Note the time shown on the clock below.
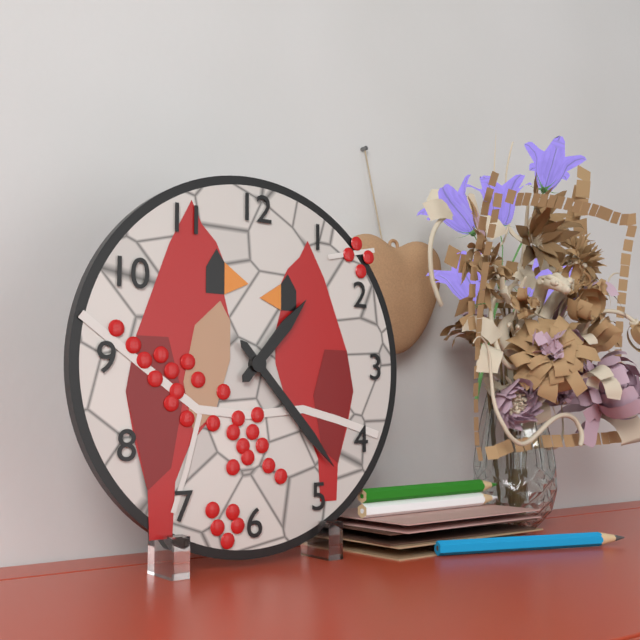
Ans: 1:23
